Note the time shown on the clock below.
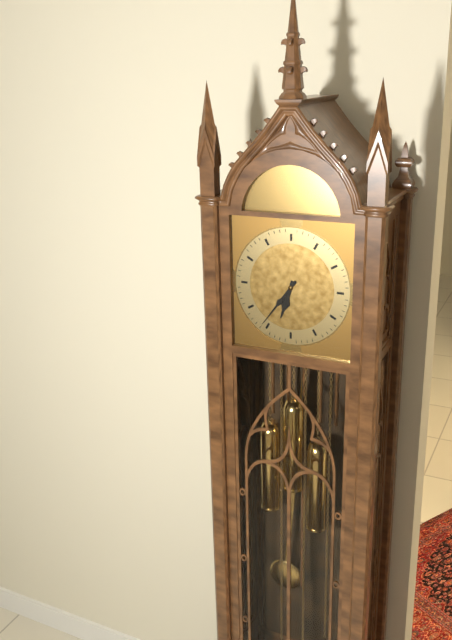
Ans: 6:36
